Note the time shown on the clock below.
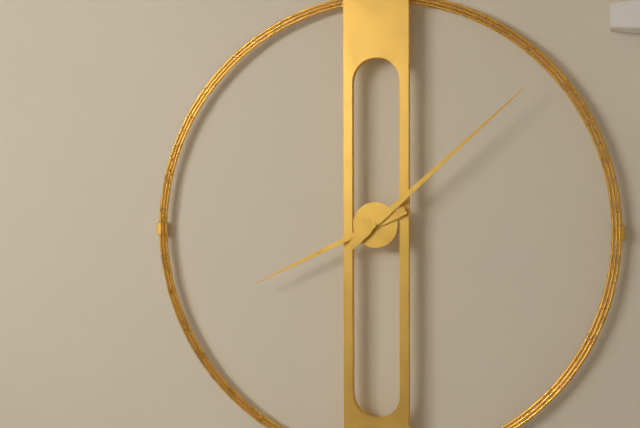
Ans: 8:08
